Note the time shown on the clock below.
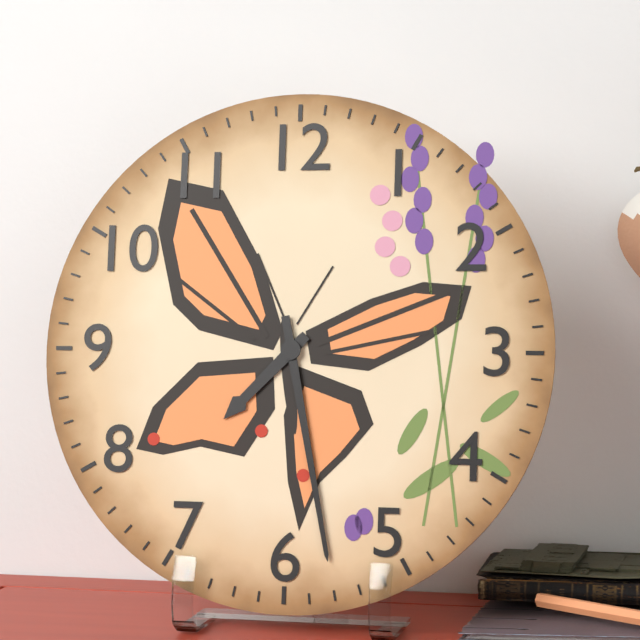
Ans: 7:28
